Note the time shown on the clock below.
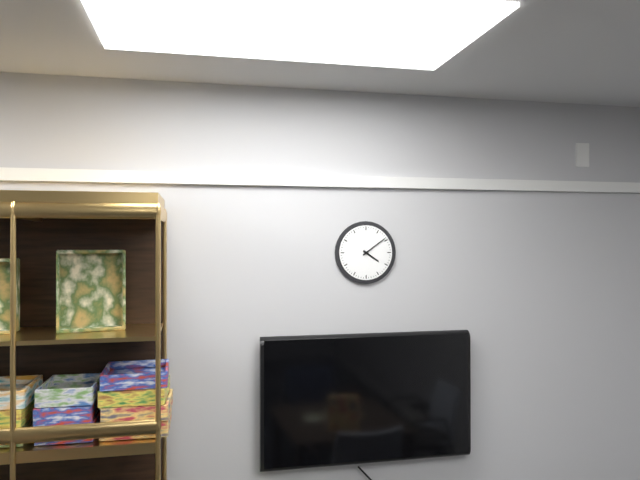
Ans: 4:09
